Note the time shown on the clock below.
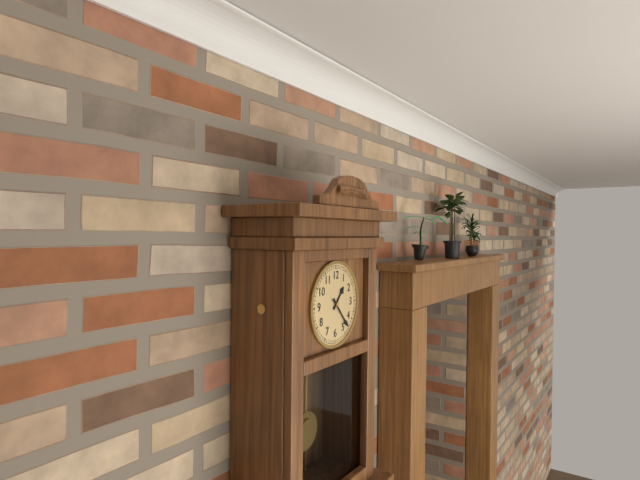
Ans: 1:23
